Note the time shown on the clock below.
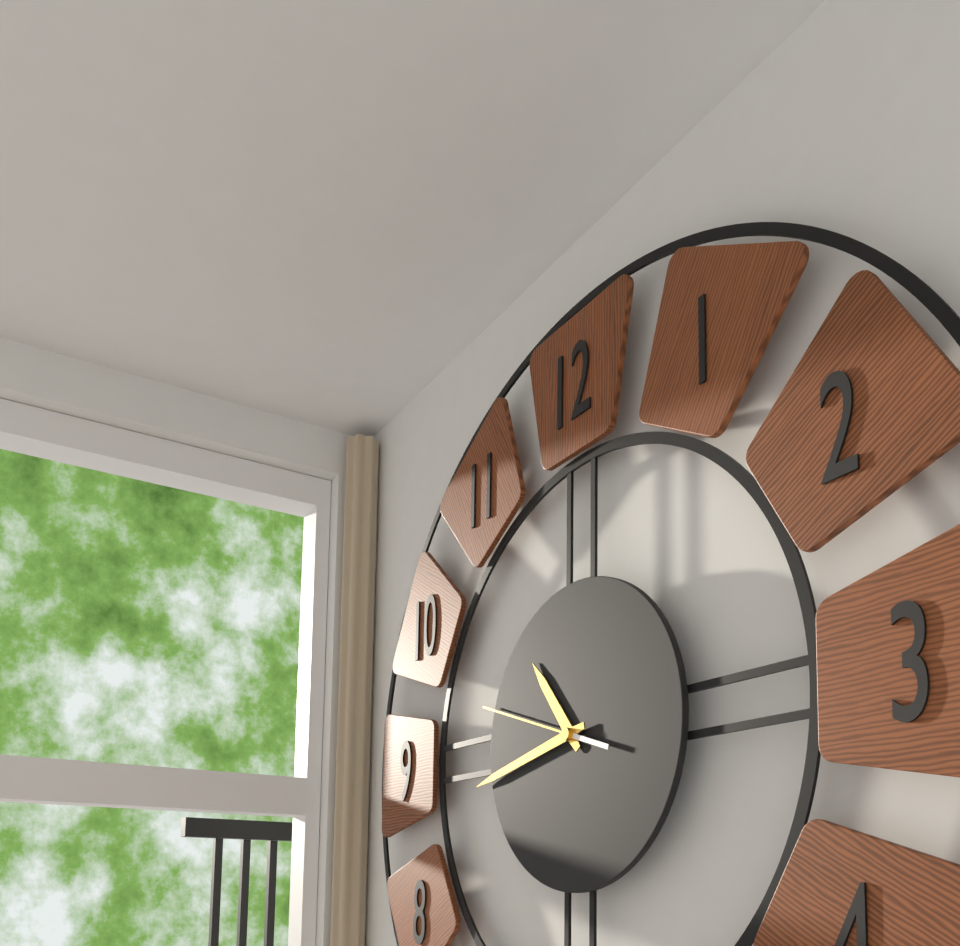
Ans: 10:43:48
